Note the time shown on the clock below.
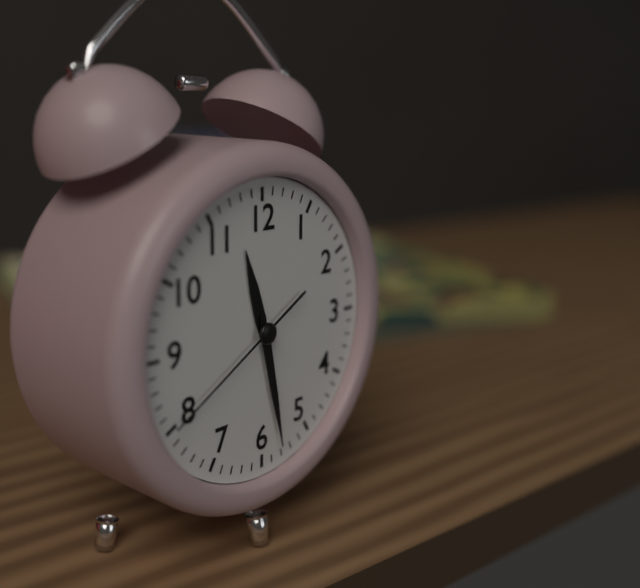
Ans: 11:28:40
